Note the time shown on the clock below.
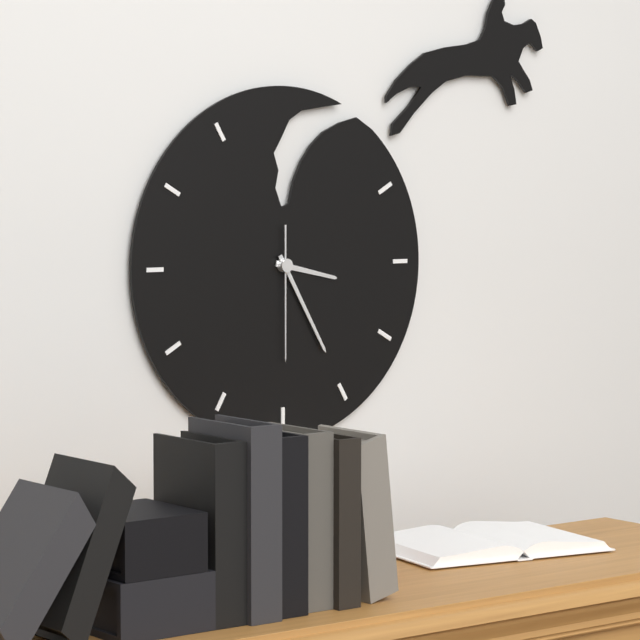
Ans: 3:25:30
